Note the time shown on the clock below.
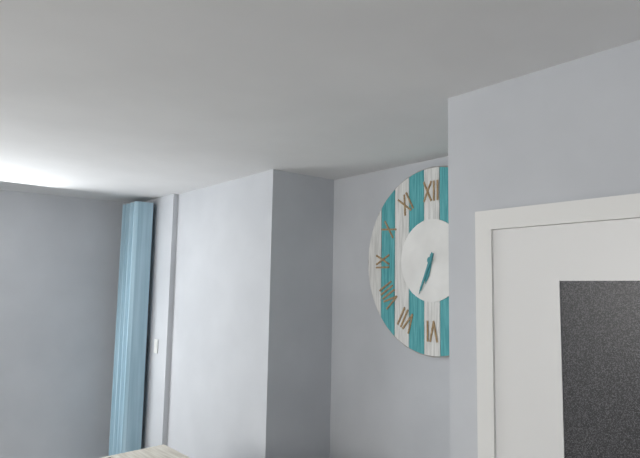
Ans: 6:34
